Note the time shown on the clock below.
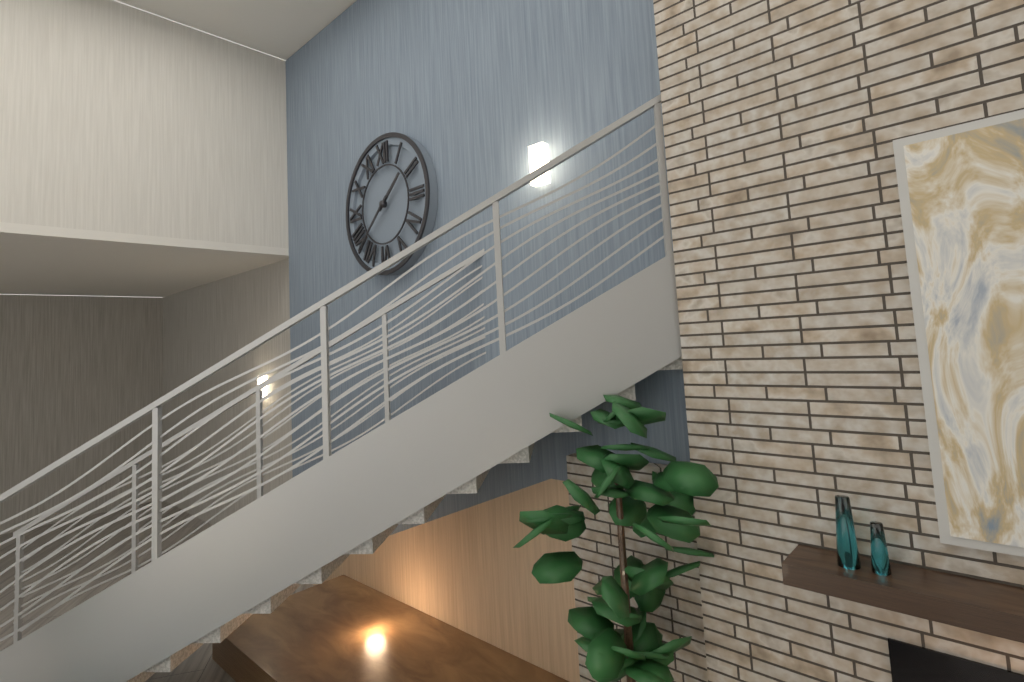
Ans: 1:38
